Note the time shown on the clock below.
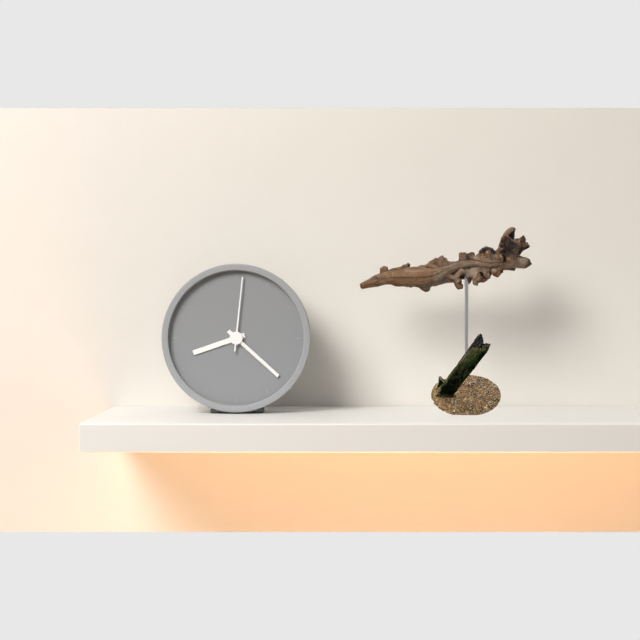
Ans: 8:22:01
